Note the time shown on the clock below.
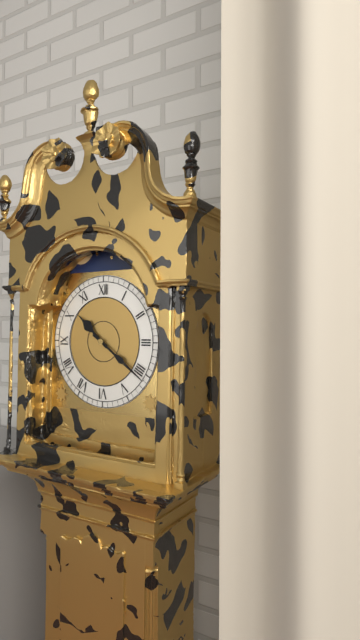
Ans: 10:21
